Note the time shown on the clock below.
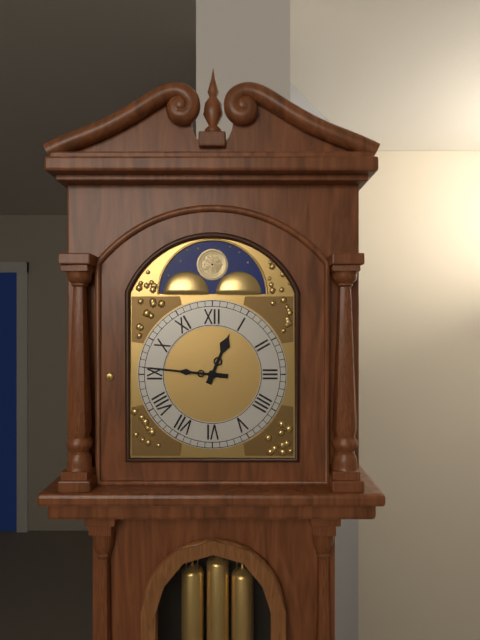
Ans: 12:46
